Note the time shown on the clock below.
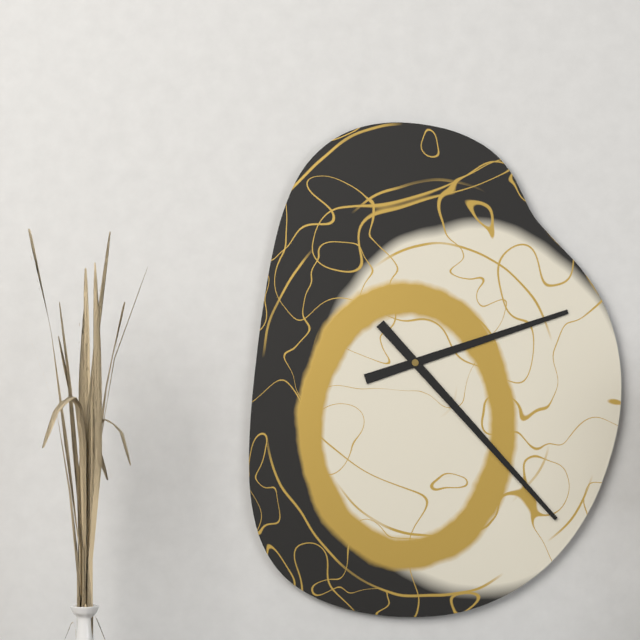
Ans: 2:23
